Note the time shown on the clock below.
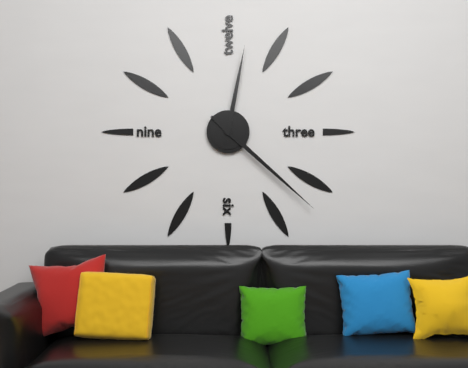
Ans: 12:22
